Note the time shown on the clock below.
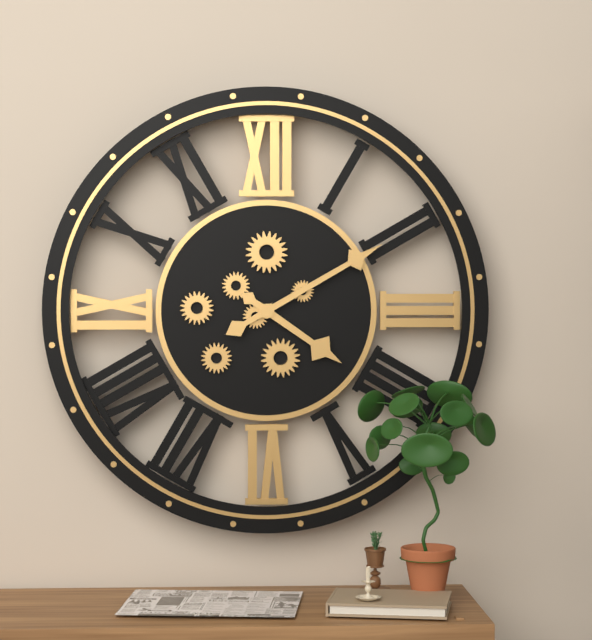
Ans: 4:10
